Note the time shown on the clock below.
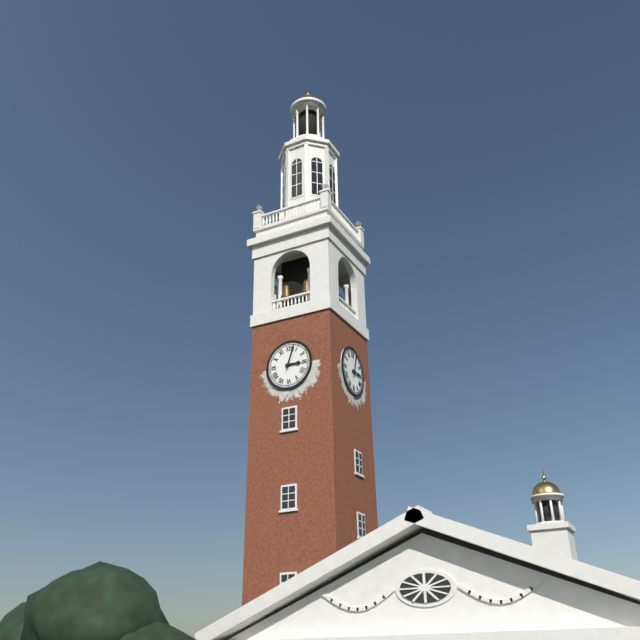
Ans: 3:03
